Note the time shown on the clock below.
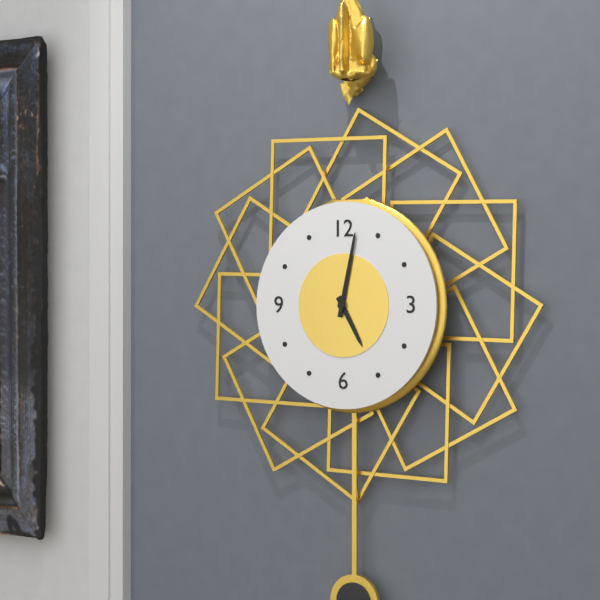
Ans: 5:02
